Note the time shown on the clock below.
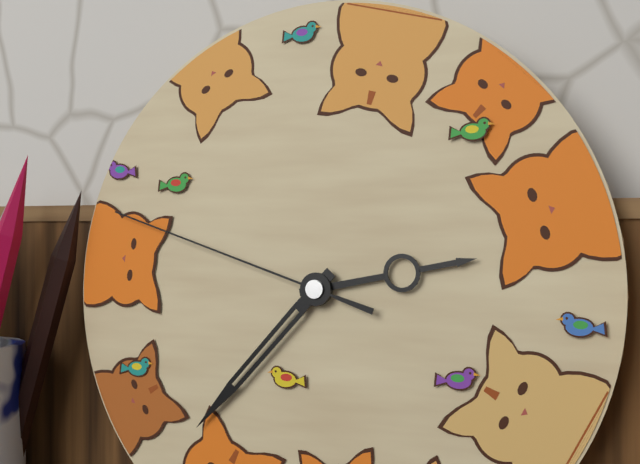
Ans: 2:37:48
